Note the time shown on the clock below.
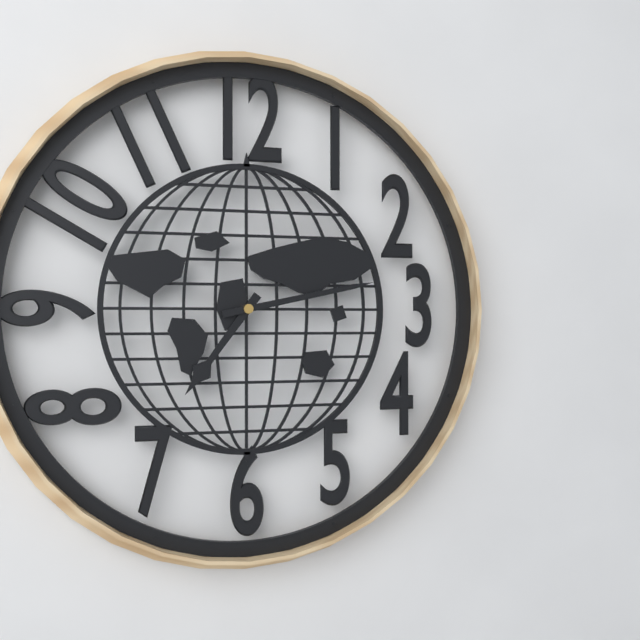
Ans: 7:13
